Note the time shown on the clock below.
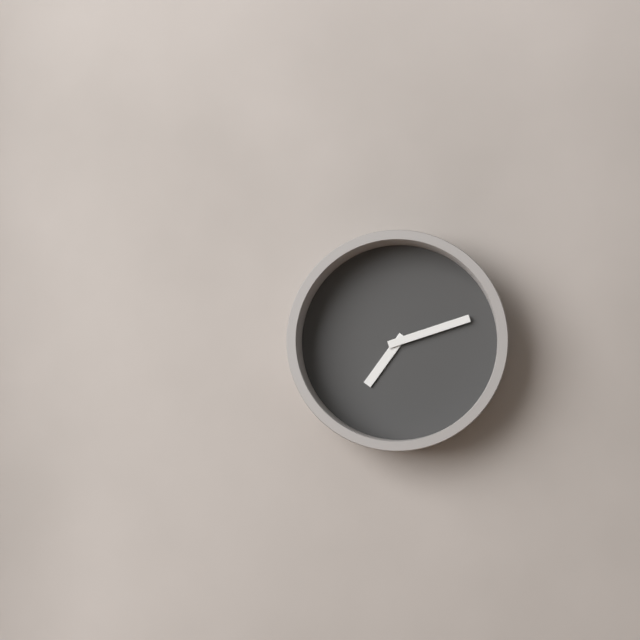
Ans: 7:12
